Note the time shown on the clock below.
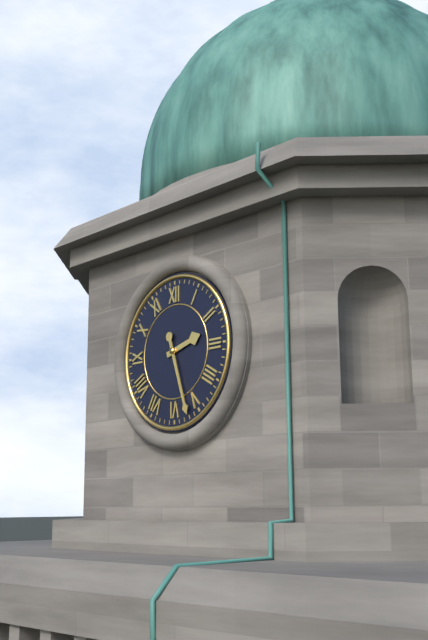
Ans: 2:27
